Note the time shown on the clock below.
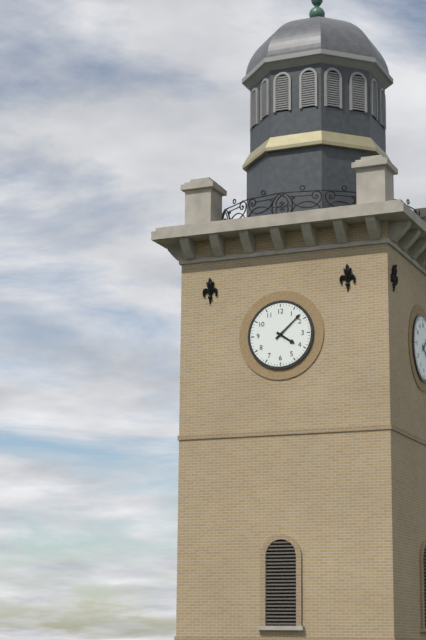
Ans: 4:08
